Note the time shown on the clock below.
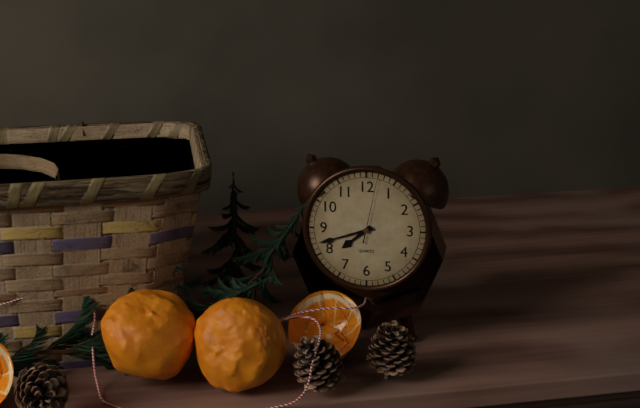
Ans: 7:42:02
